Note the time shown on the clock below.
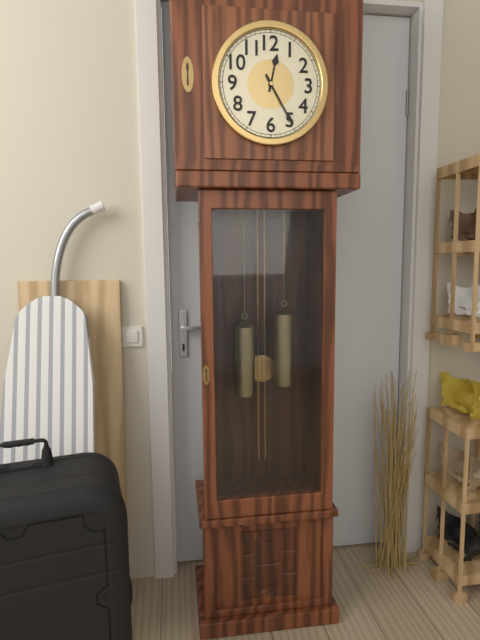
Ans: 12:25
